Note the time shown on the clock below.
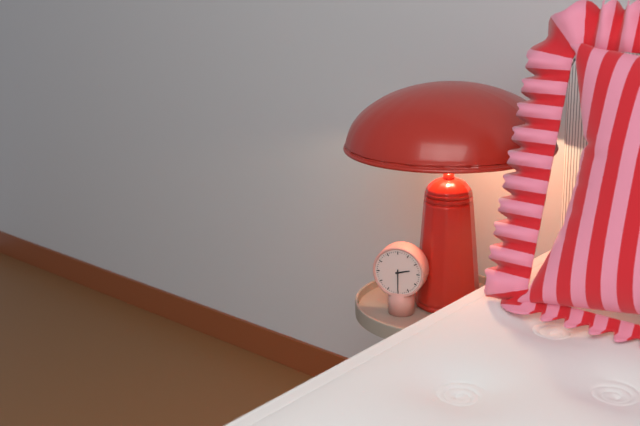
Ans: 2:30
